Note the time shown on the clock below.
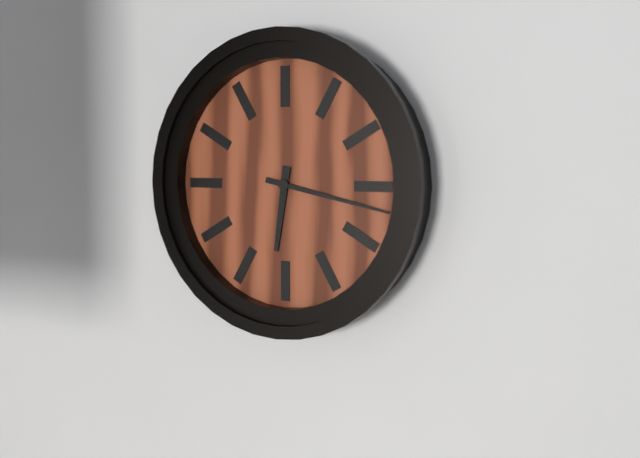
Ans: 6:17
